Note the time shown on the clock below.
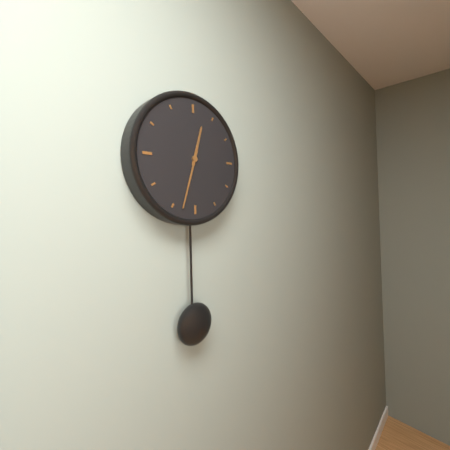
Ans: 12:33
